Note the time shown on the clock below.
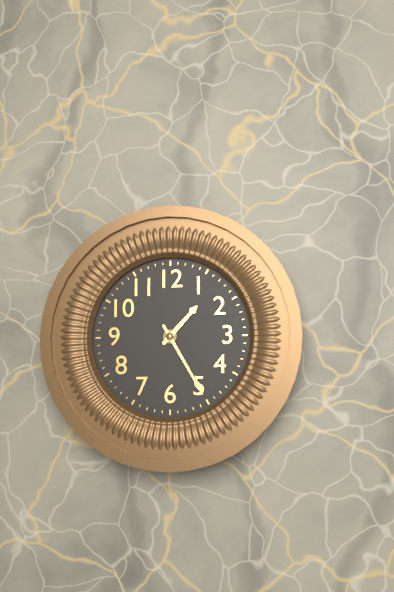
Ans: 1:25
